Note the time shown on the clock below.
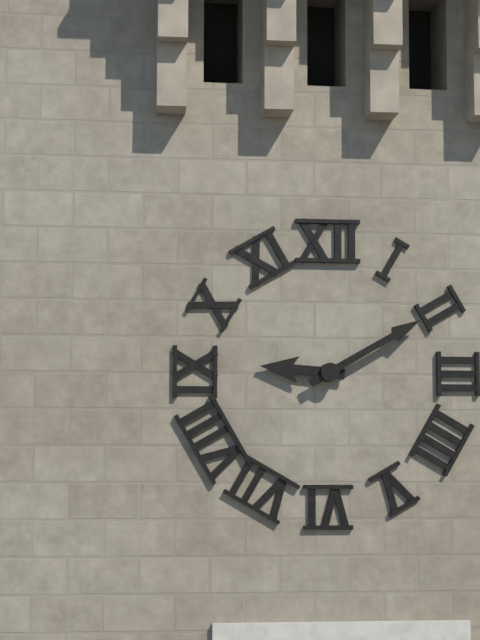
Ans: 9:10
